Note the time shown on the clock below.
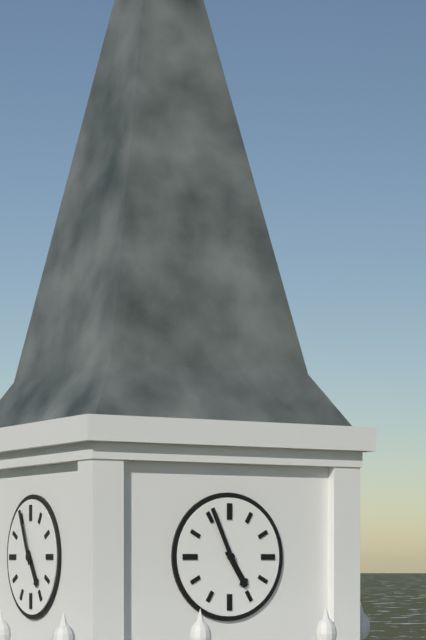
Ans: 4:56
